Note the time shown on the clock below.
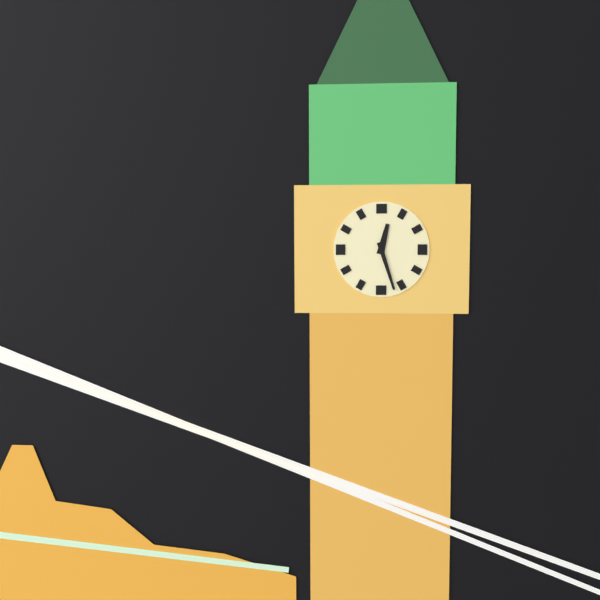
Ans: 12:27
